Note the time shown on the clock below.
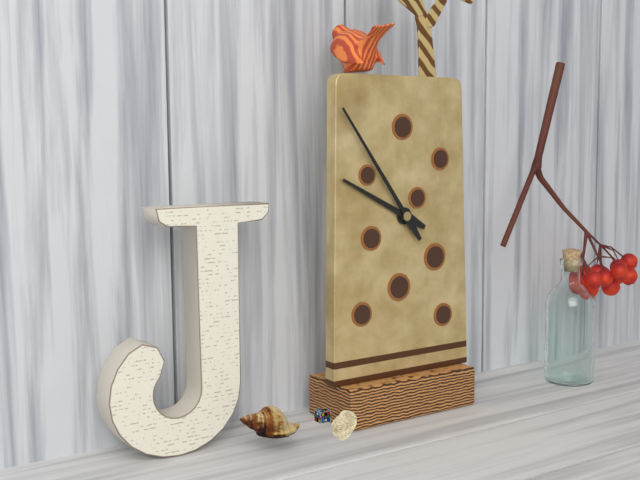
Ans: 9:54
